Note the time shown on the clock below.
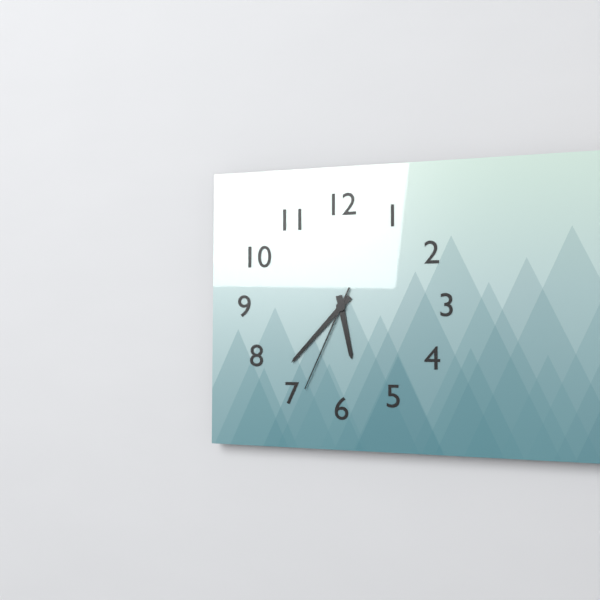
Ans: 5:37:34
